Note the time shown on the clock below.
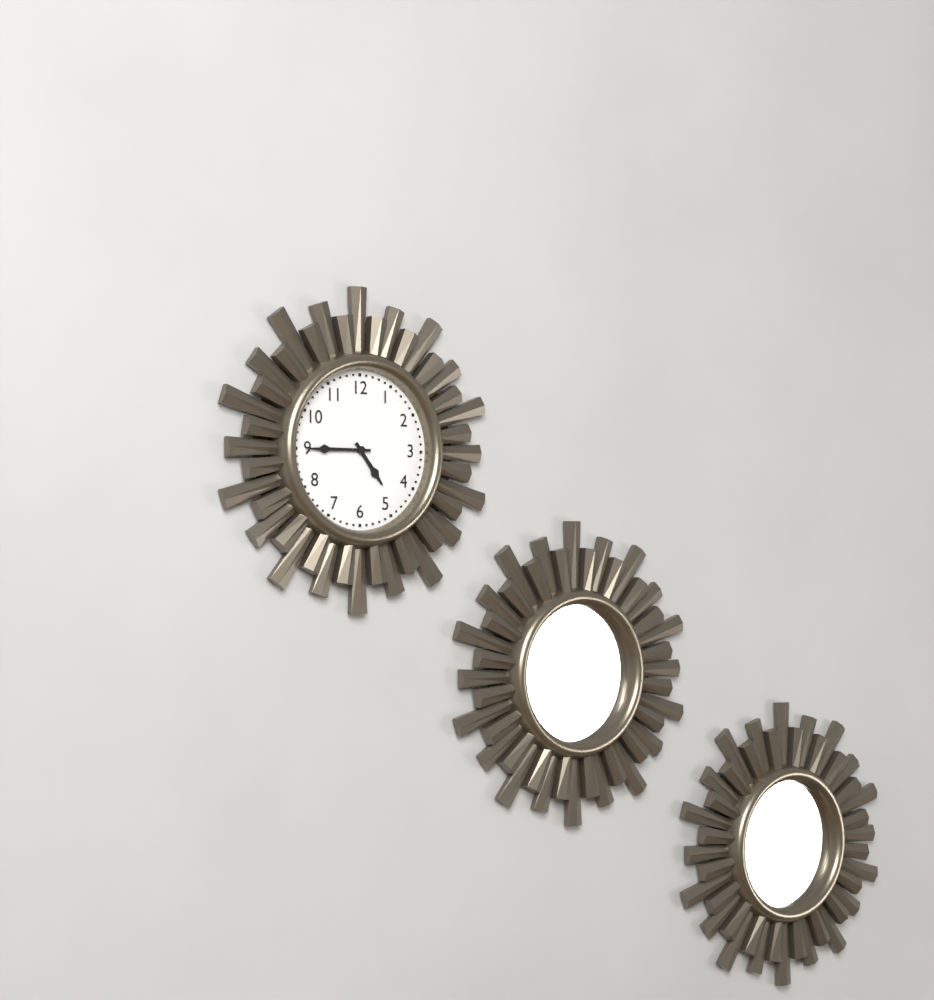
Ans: 4:45
